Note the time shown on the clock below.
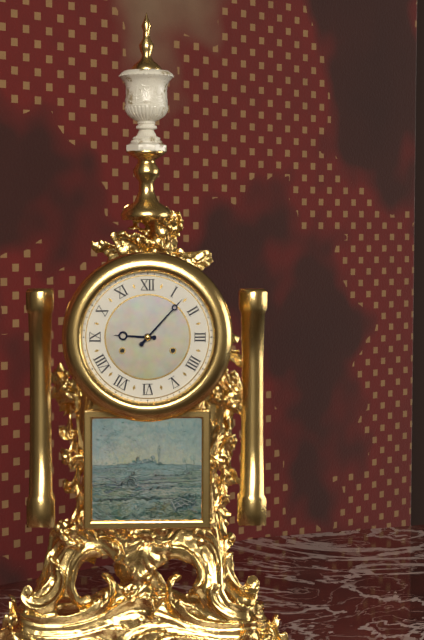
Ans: 9:07
